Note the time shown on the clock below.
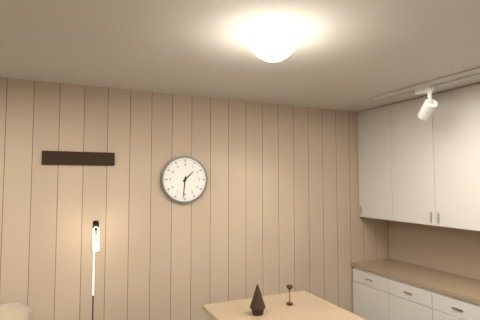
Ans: 1:31
